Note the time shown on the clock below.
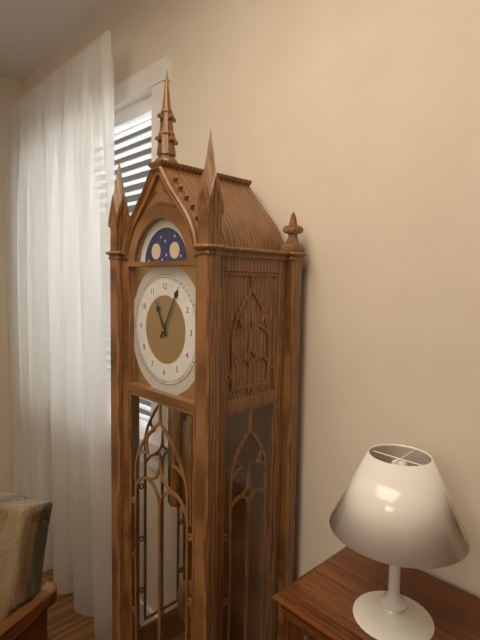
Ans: 11:05
